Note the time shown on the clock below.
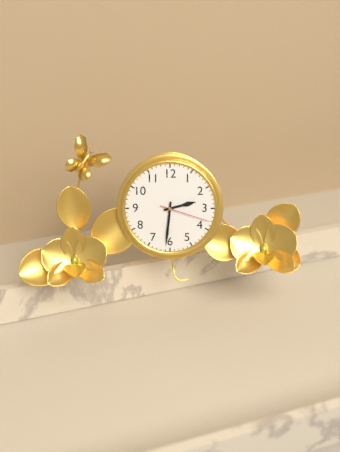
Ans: 2:31:18
